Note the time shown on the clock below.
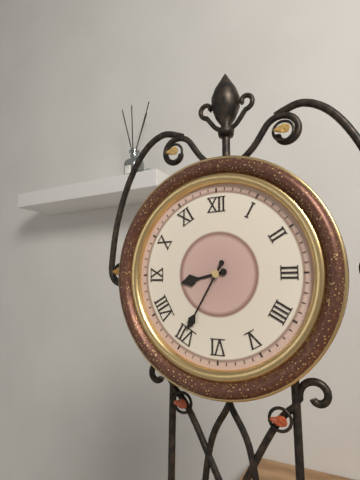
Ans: 8:35
